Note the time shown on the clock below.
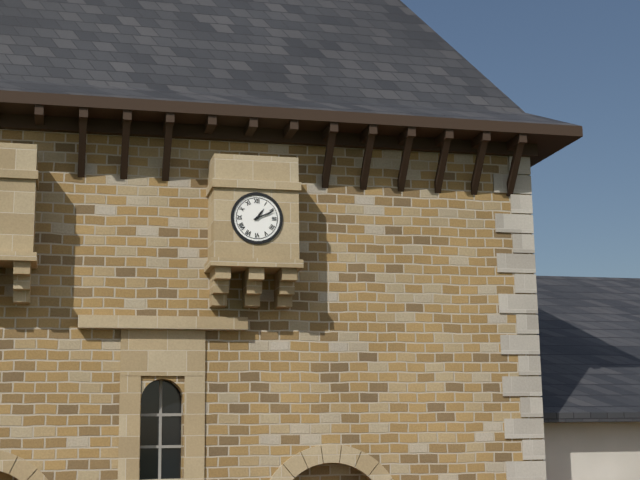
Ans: 1:11
